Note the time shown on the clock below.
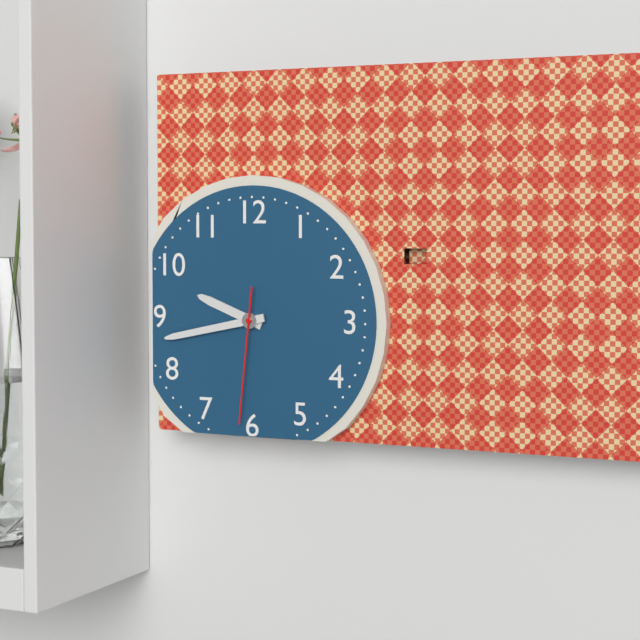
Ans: 9:43:31
